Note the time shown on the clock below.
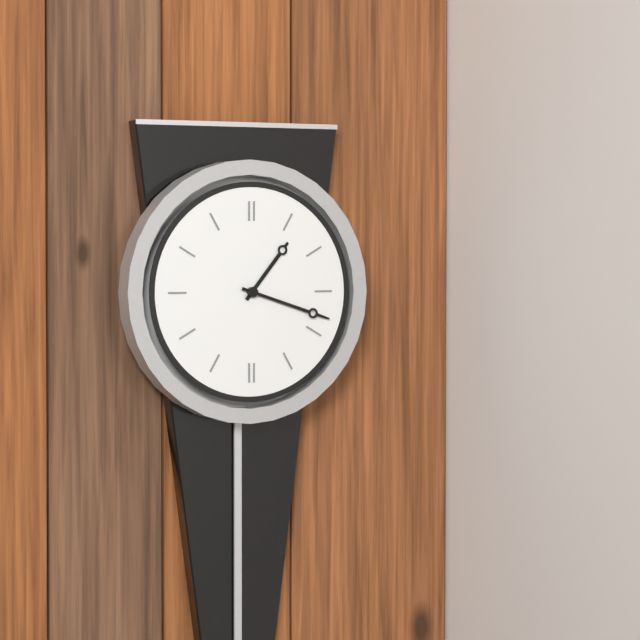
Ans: 1:18
